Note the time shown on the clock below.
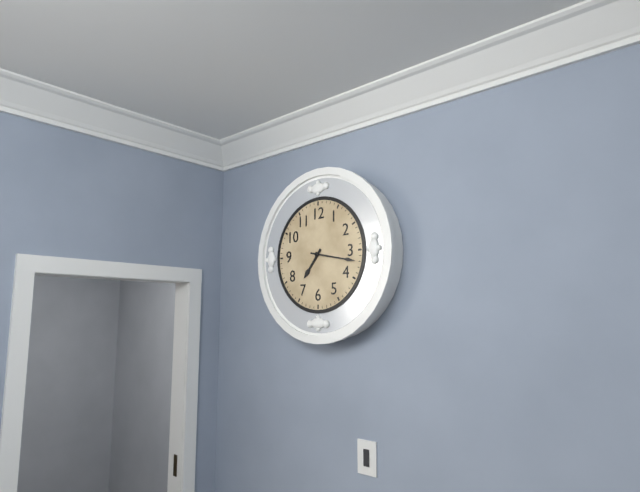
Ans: 7:17
